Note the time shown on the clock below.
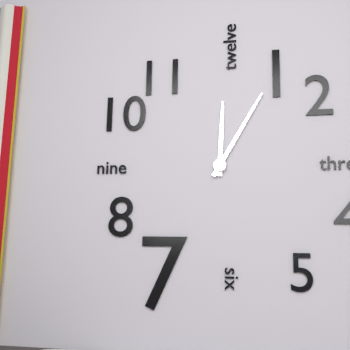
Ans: 12:05
